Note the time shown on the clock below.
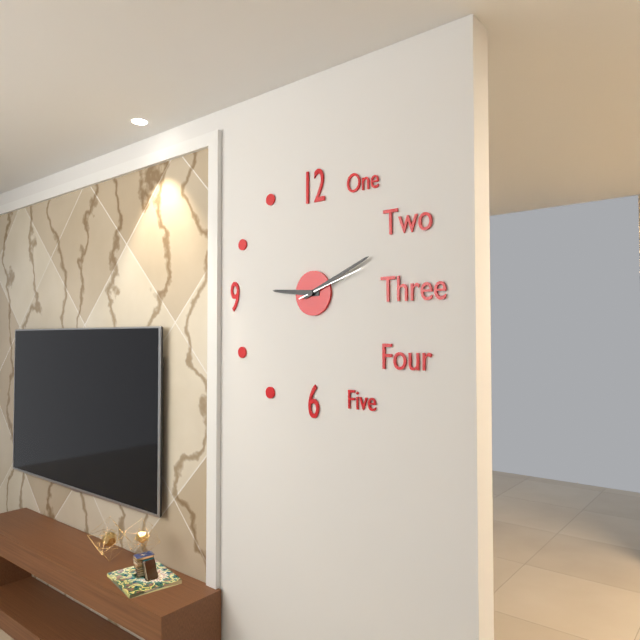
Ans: 9:11:12
